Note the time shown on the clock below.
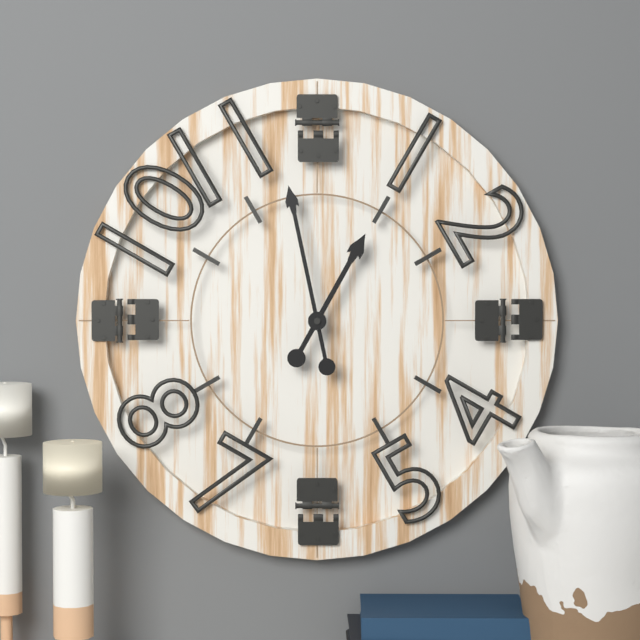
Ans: 12:58
